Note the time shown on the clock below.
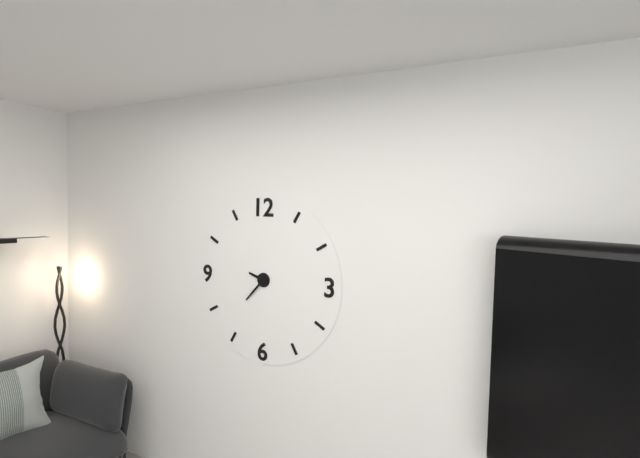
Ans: 9:37
